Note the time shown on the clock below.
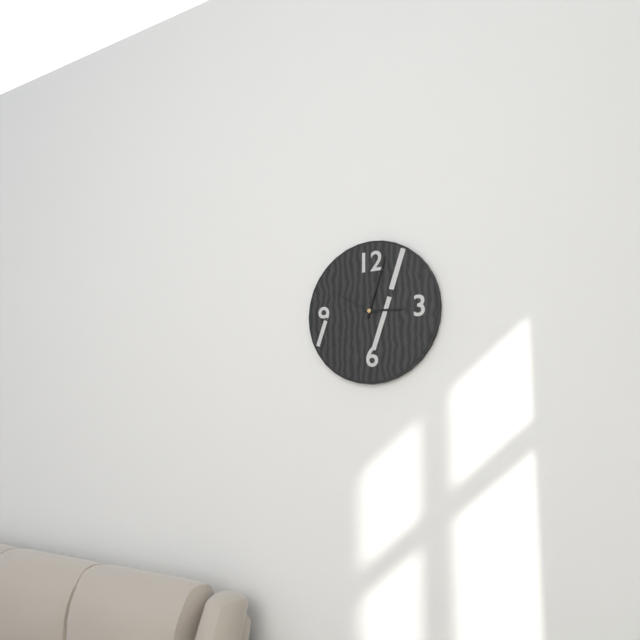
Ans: 3:03:50
